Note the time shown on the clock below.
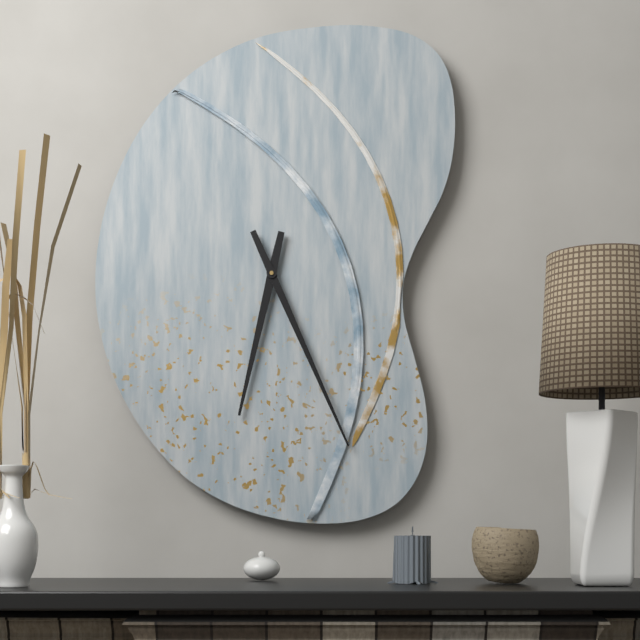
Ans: 6:26
